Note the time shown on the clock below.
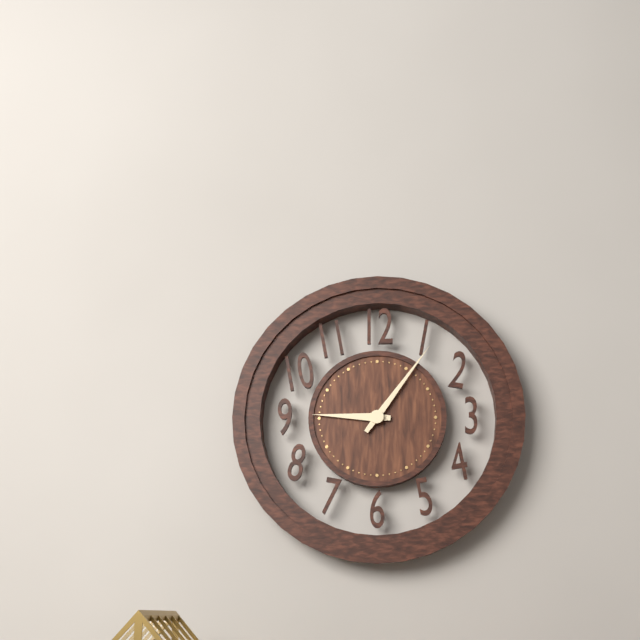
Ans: 9:06
